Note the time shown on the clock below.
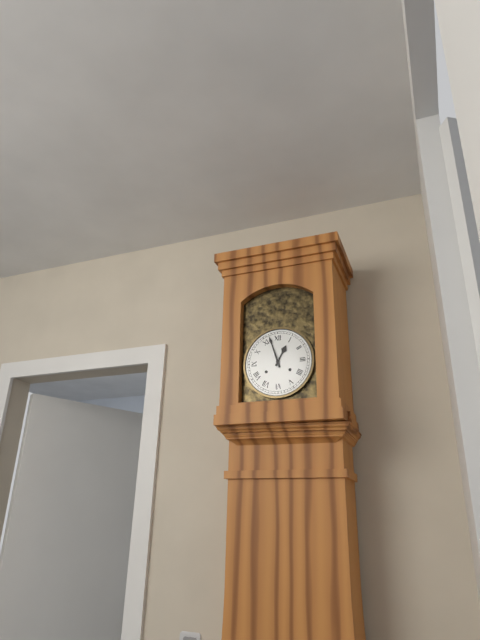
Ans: 12:57
